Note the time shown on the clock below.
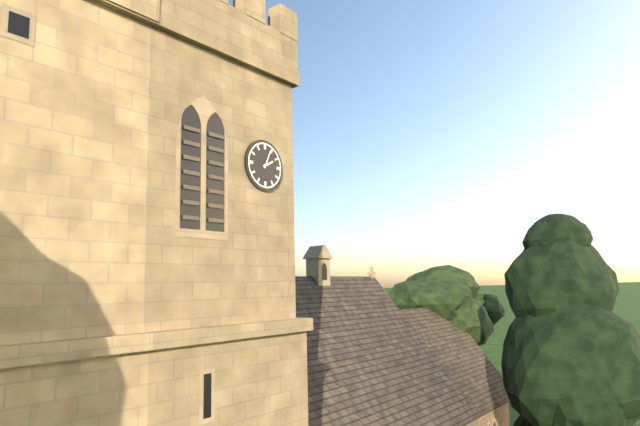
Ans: 2:04
